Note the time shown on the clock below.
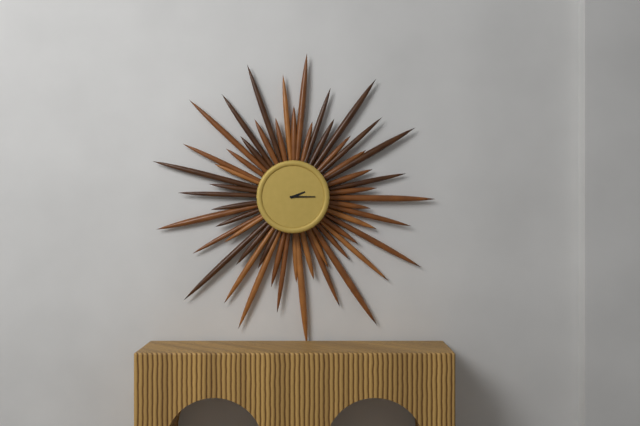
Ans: 2:15
